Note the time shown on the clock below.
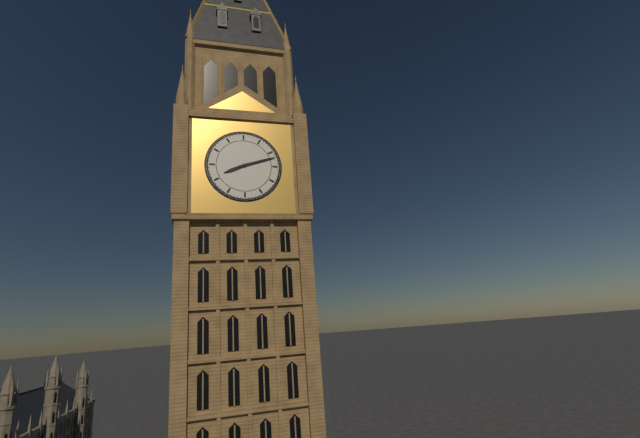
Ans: 8:12
